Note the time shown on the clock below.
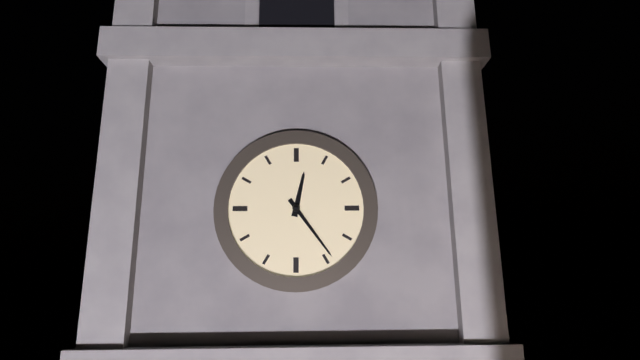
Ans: 12:24
